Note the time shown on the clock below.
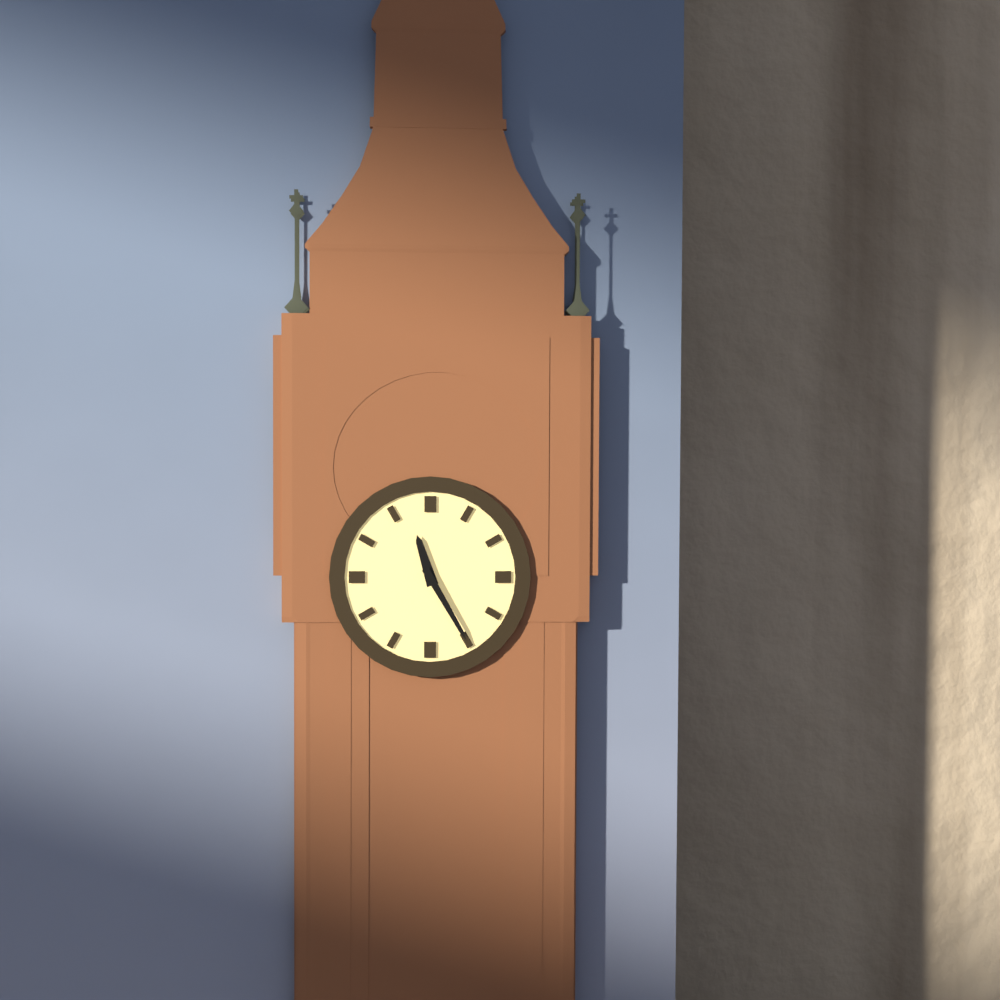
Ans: 11:25
